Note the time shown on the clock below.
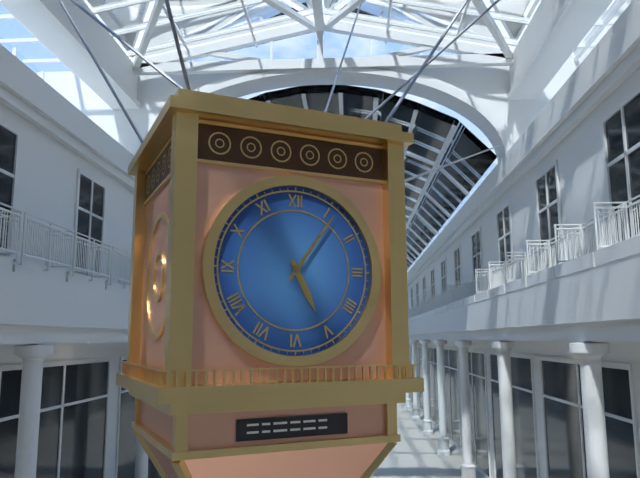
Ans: 5:06
